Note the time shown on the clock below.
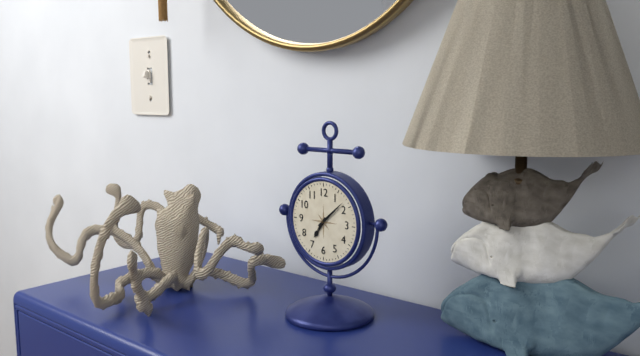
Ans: 7:08
